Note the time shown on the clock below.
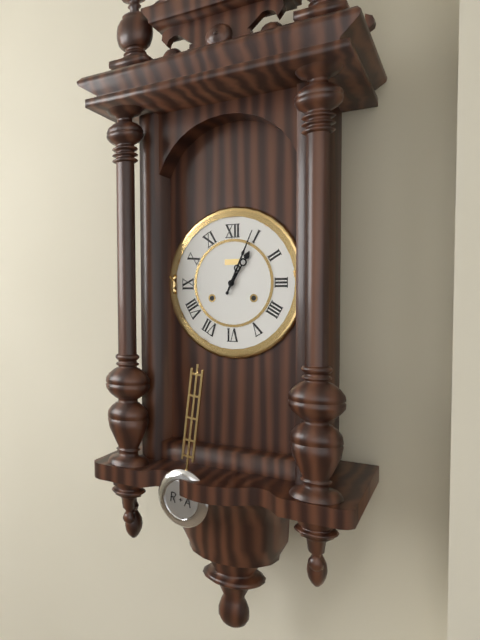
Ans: 1:04
